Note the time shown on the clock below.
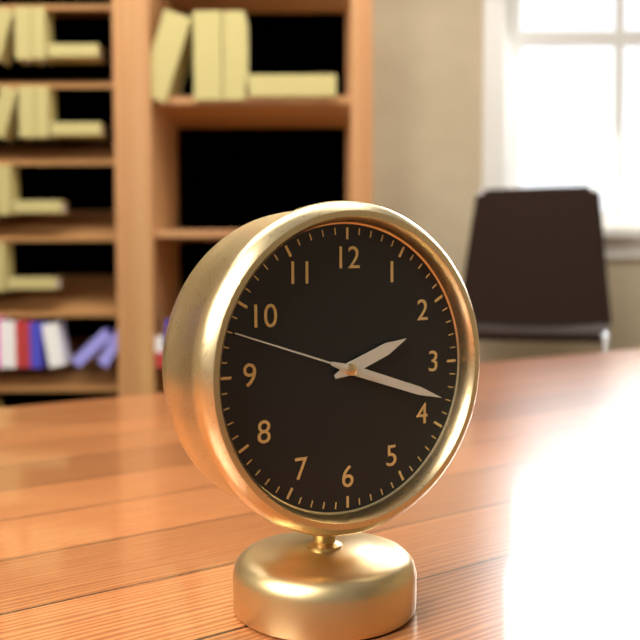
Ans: 2:18:48
